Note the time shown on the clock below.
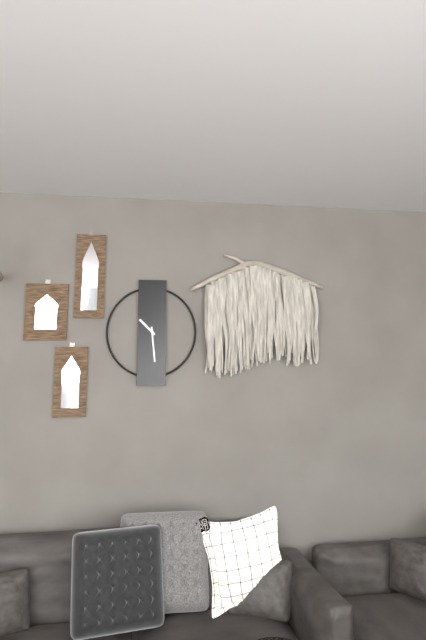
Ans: 10:29
